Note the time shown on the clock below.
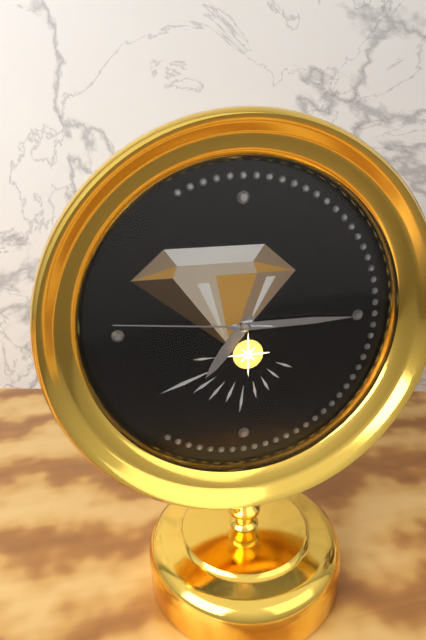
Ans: 7:15:46
